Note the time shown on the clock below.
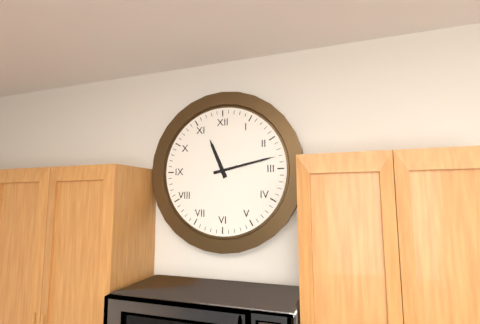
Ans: 11:13
